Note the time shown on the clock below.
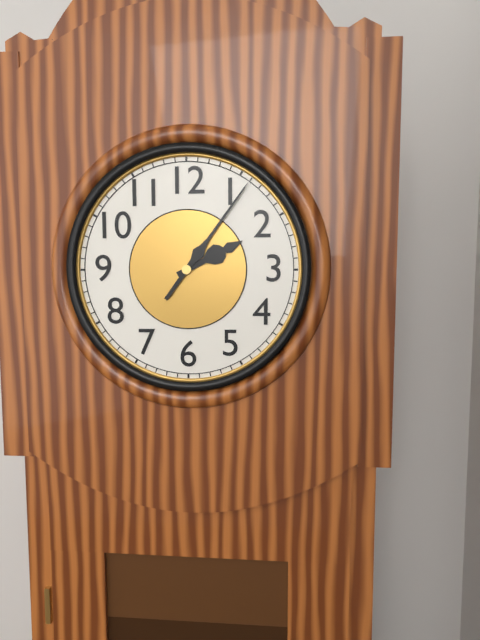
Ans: 2:06
